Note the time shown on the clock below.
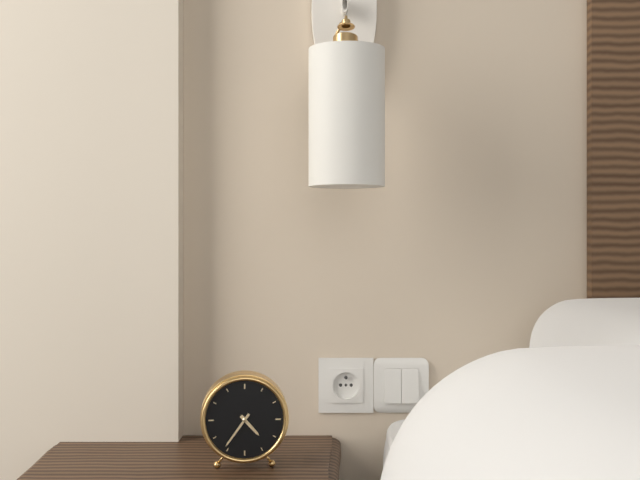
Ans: 4:36
